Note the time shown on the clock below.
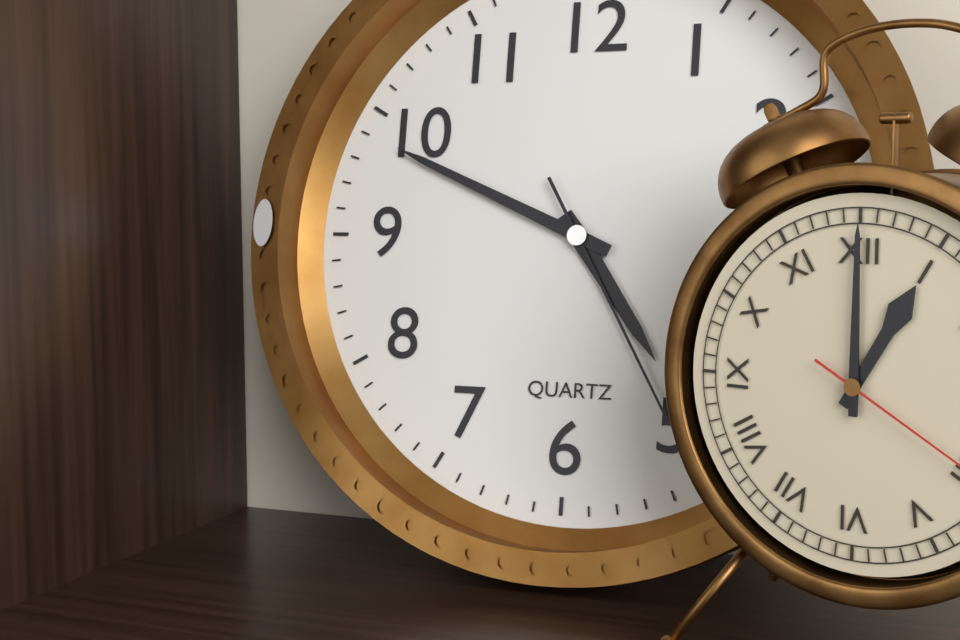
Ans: 4:49:25
